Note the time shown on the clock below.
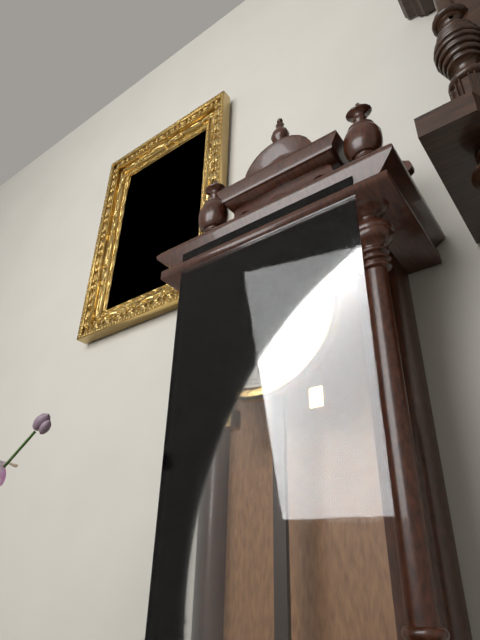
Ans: 12:52
